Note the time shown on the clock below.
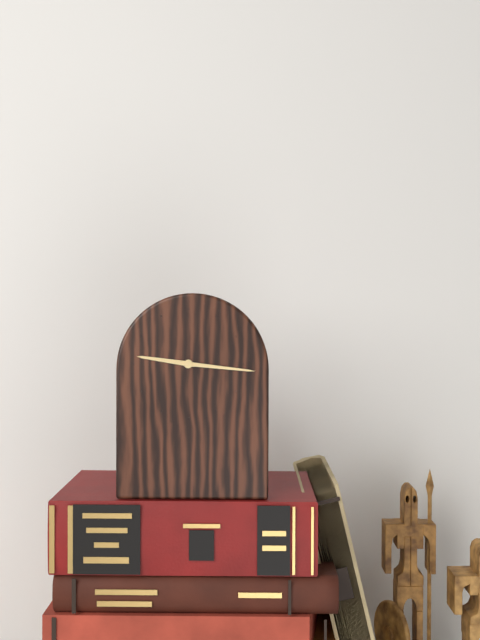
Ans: 9:16
